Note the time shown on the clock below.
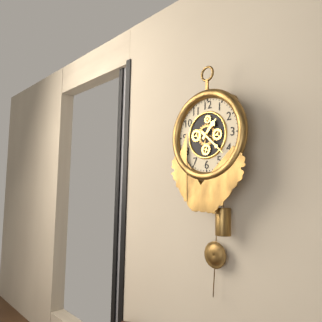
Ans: 1:22
